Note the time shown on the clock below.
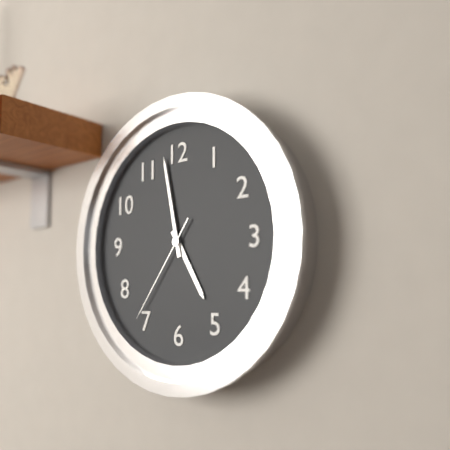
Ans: 4:58:36
